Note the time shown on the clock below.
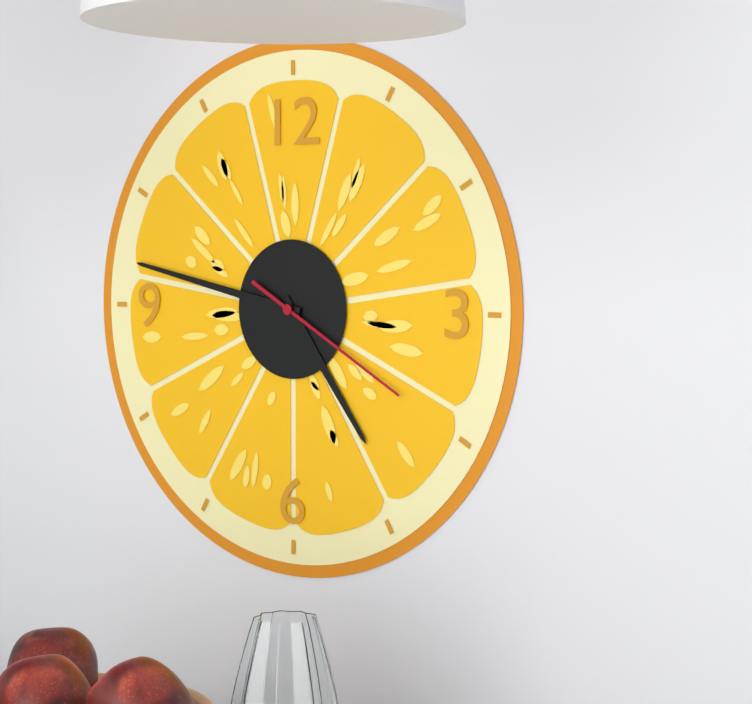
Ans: 4:47:20
